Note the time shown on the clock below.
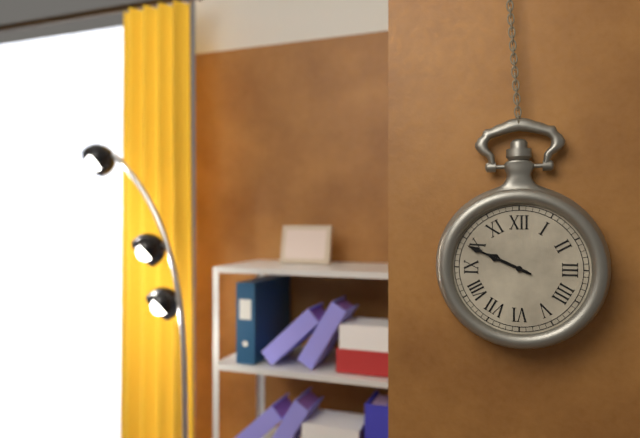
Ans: 9:49
